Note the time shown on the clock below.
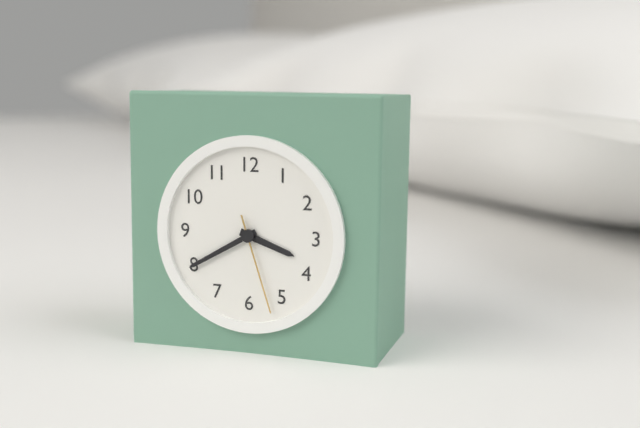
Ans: 3:40:27
